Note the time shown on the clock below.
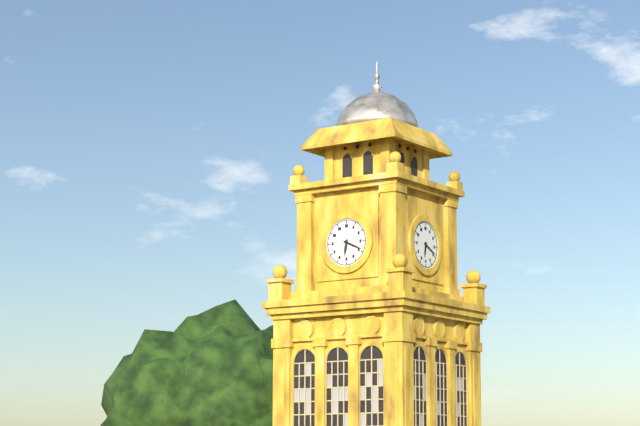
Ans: 6:19
